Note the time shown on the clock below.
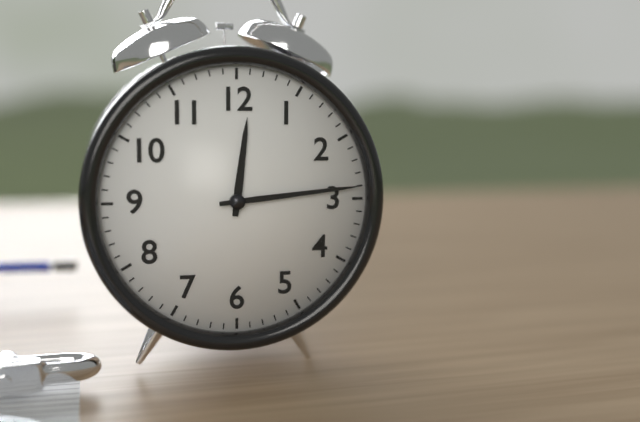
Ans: 12:14
